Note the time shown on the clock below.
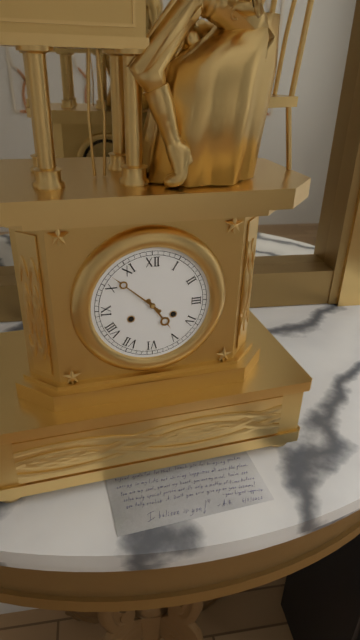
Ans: 4:52
